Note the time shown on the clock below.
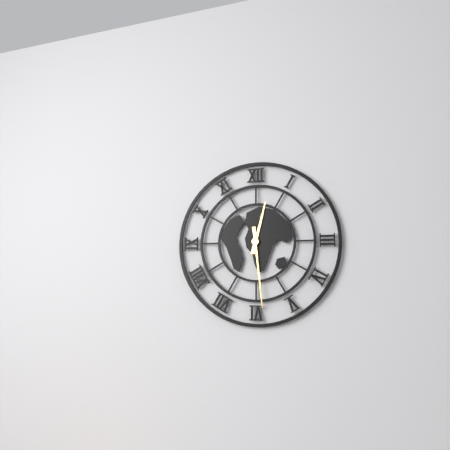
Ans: 12:29
